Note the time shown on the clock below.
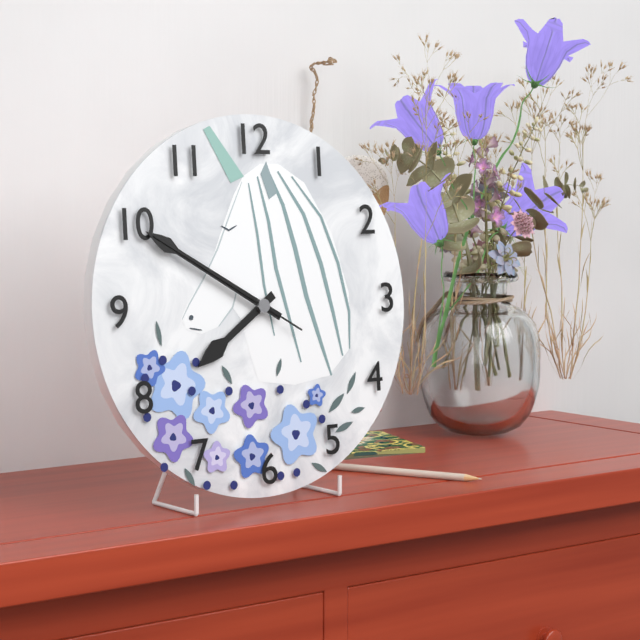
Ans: 7:50:50
